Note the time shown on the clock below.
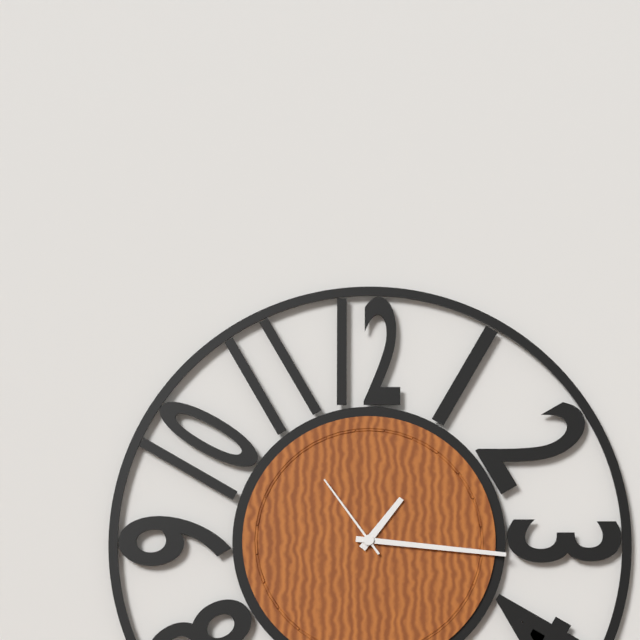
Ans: 1:16:54
